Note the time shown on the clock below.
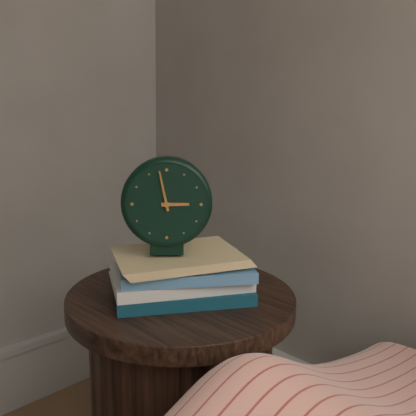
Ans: 2:58
